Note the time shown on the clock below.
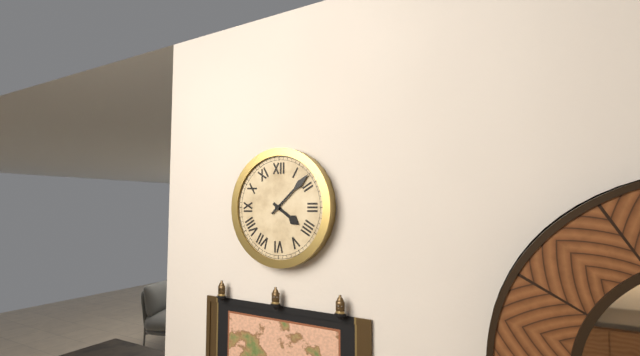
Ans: 4:08
